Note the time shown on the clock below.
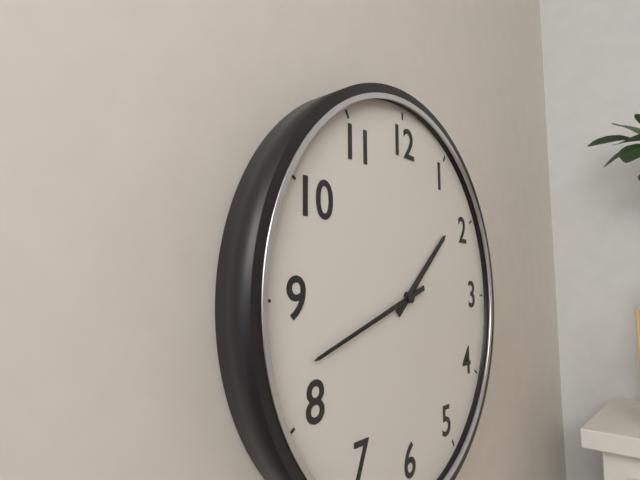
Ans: 1:42
